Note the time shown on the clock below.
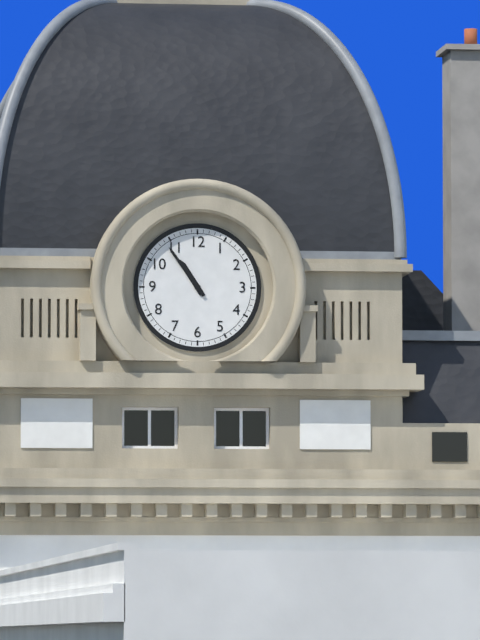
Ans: 10:54
